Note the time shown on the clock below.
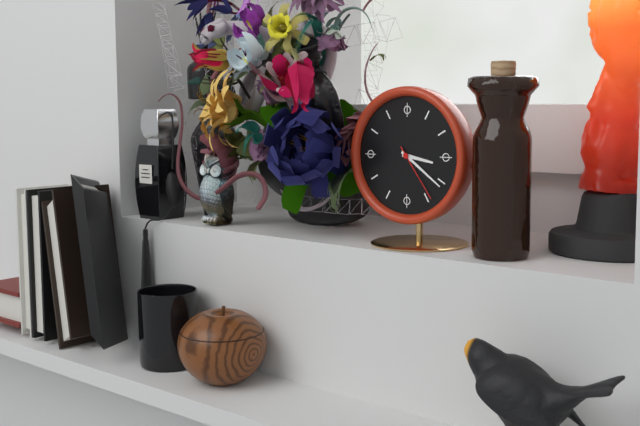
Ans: 3:21:24
